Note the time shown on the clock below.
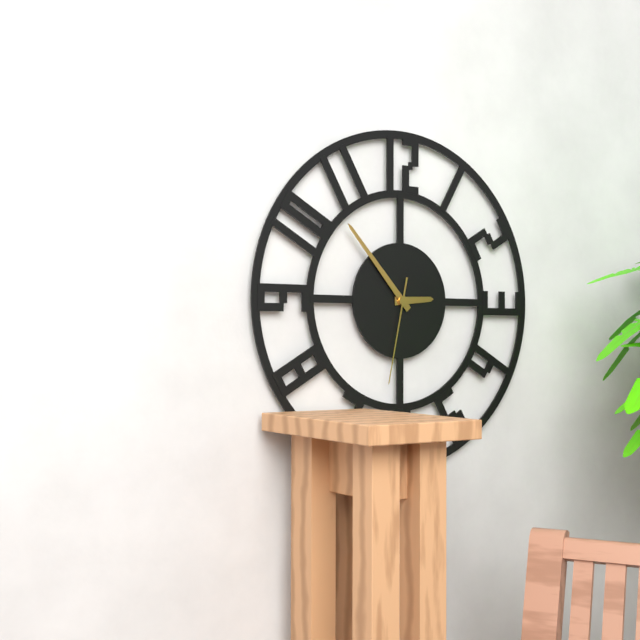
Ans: 2:53:32
